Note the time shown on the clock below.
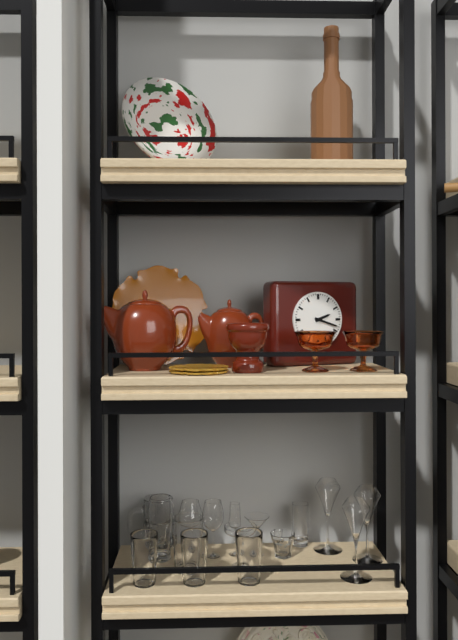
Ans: 2:18
